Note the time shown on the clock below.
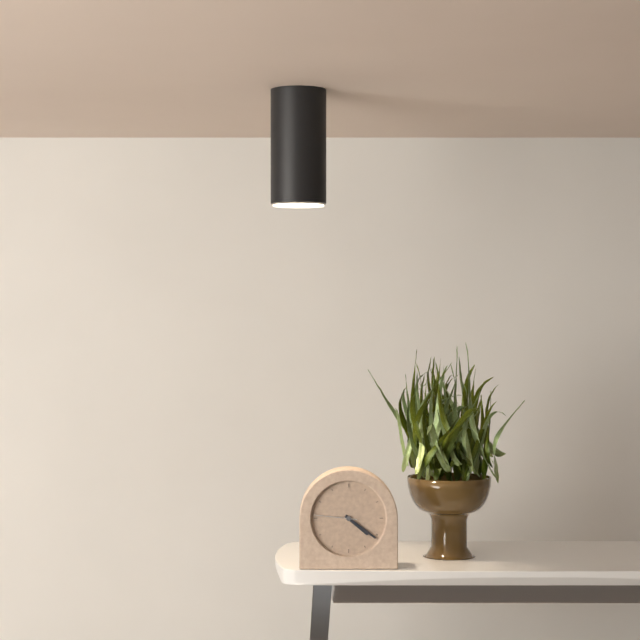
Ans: 4:21
